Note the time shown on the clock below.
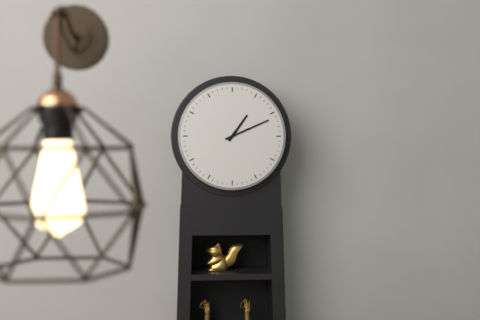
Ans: 1:11
